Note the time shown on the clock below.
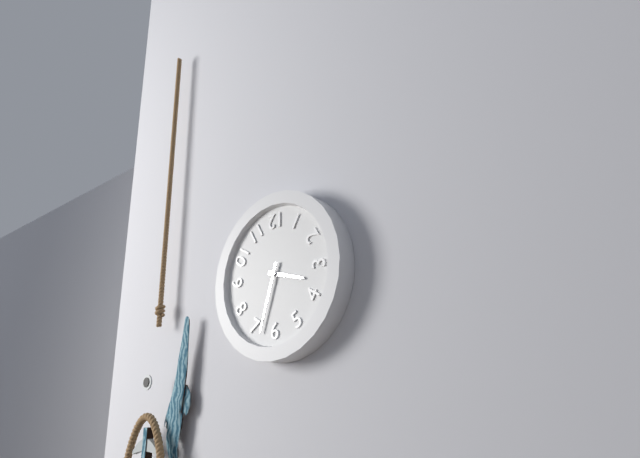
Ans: 3:33
